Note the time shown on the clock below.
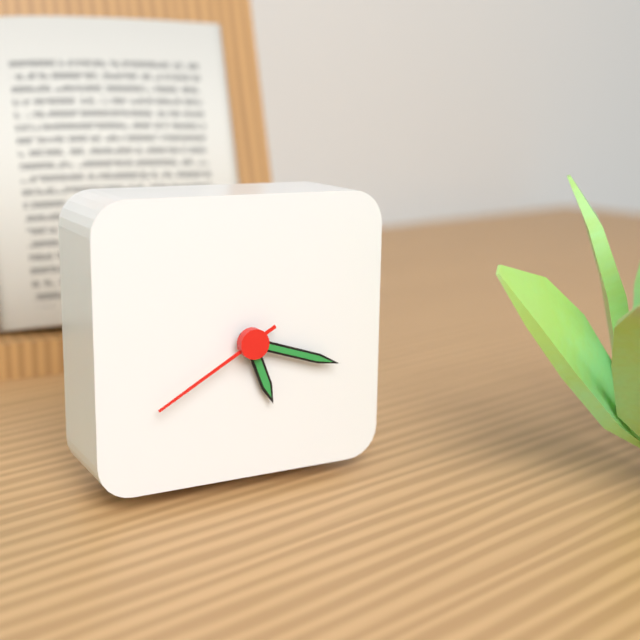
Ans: 5:18:40
